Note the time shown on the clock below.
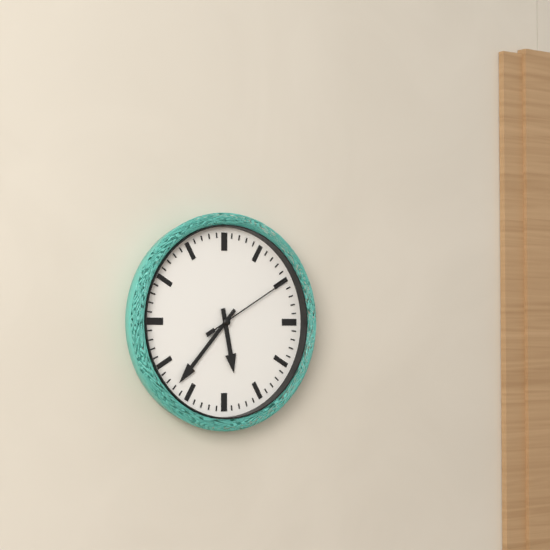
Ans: 5:37:10
